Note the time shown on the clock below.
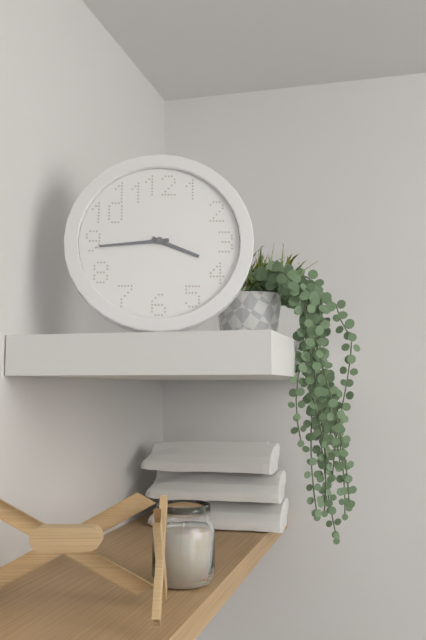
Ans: 3:44
